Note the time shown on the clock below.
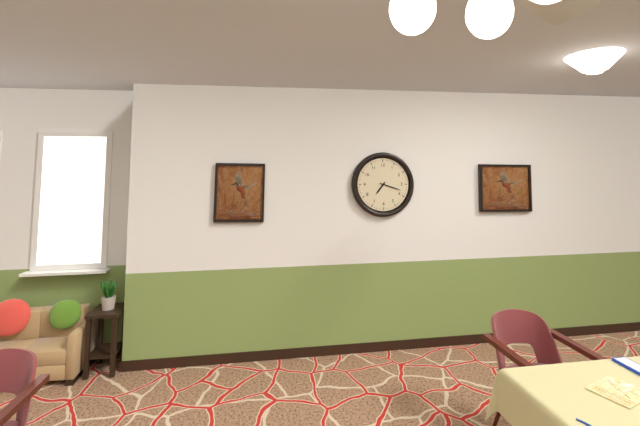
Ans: 7:18
